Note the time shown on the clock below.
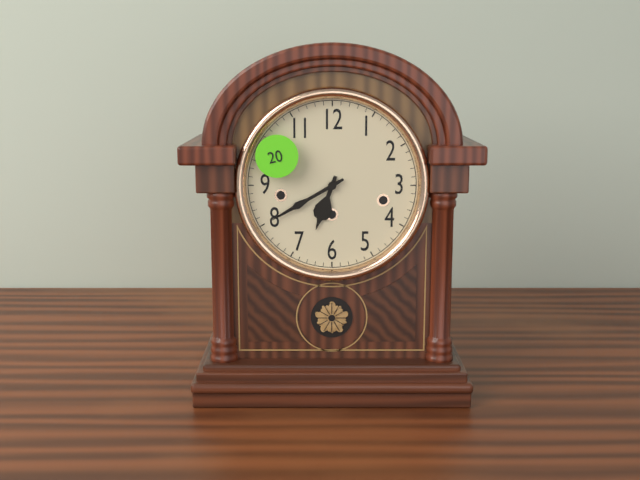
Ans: 6:40
